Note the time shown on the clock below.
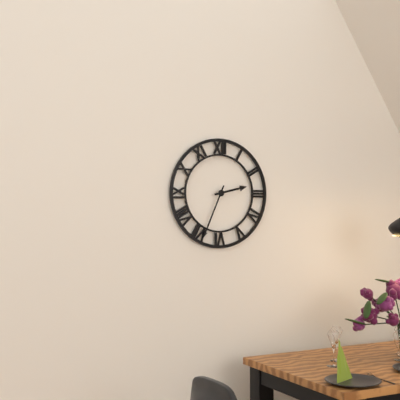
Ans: 2:34
